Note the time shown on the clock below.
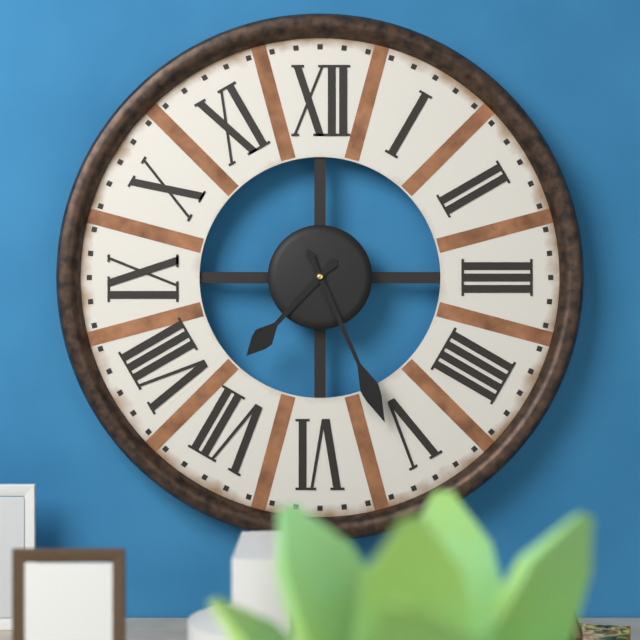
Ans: 7:26
